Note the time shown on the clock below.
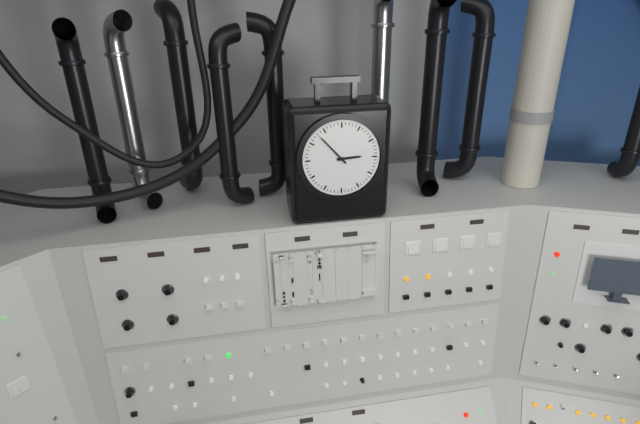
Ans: 2:53
